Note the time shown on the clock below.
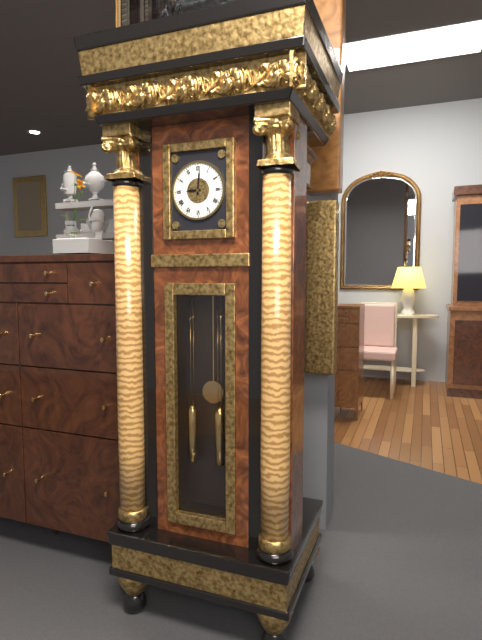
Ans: 9:01
